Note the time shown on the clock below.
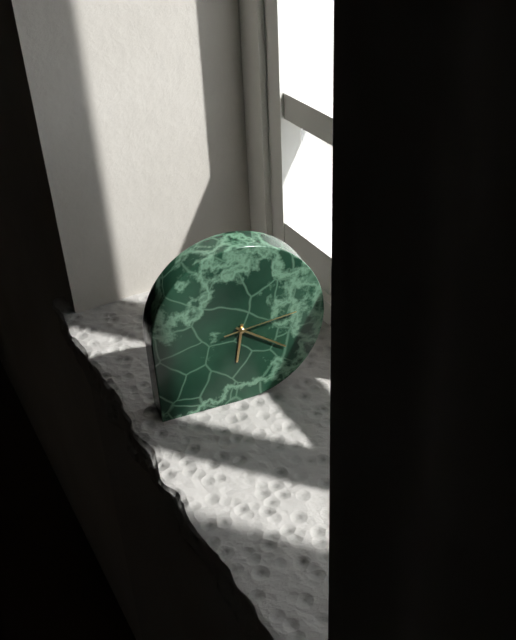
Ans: 6:21:14
